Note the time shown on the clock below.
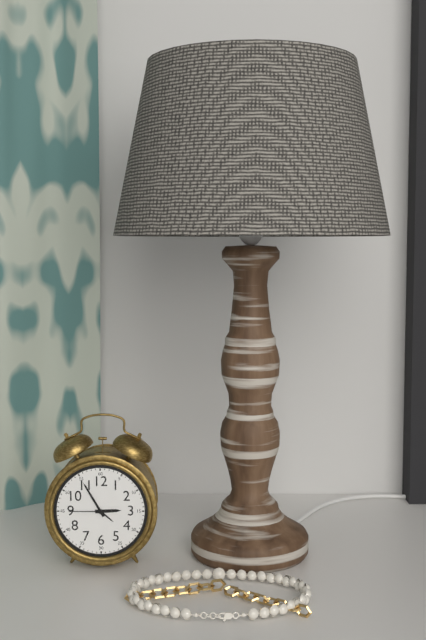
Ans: 2:55
